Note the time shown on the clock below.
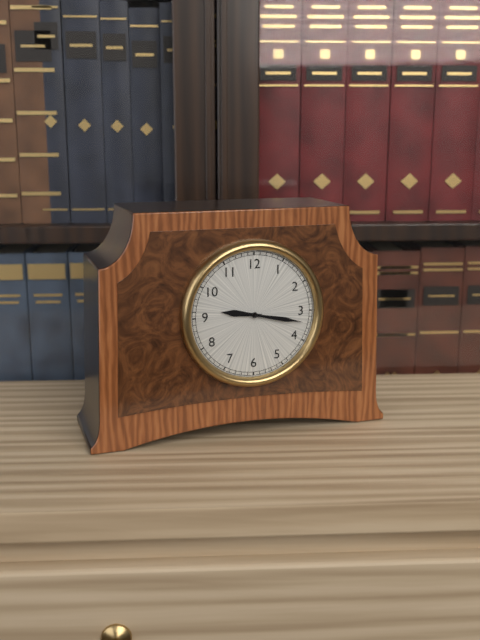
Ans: 9:17
